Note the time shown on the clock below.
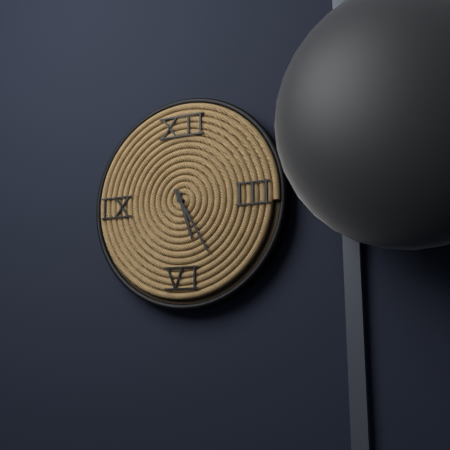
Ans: 5:25
